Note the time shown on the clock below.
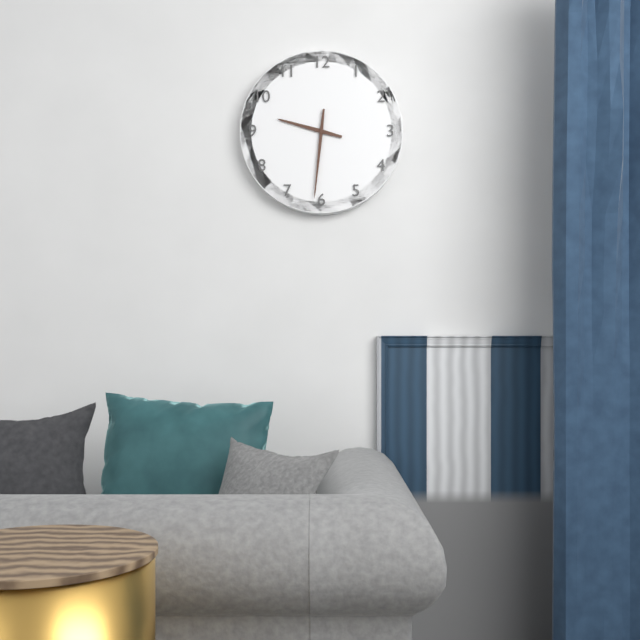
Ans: 9:31
